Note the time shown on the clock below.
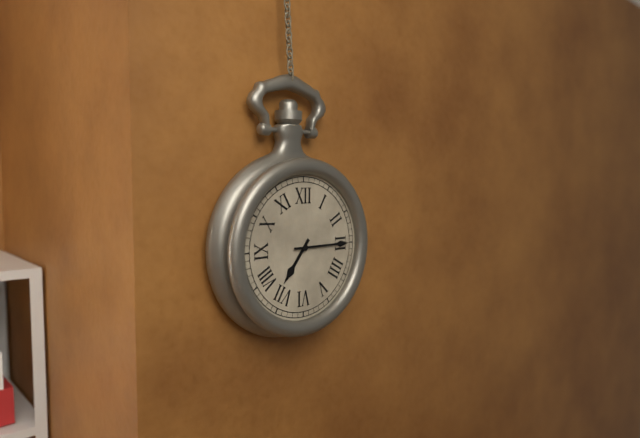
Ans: 7:15
